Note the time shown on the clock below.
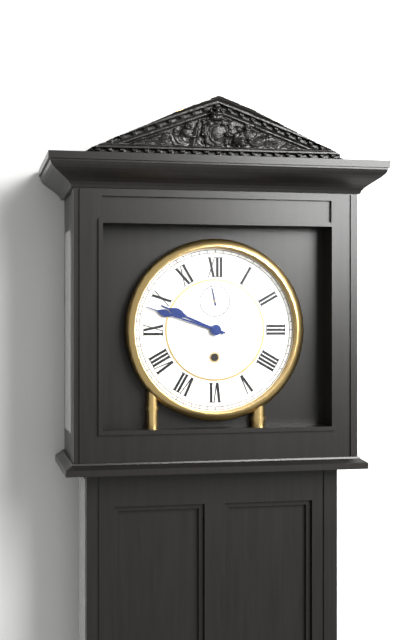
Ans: 9:48
